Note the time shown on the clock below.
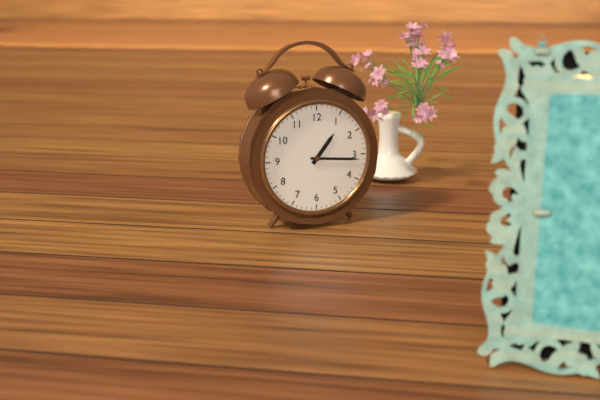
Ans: 1:16
